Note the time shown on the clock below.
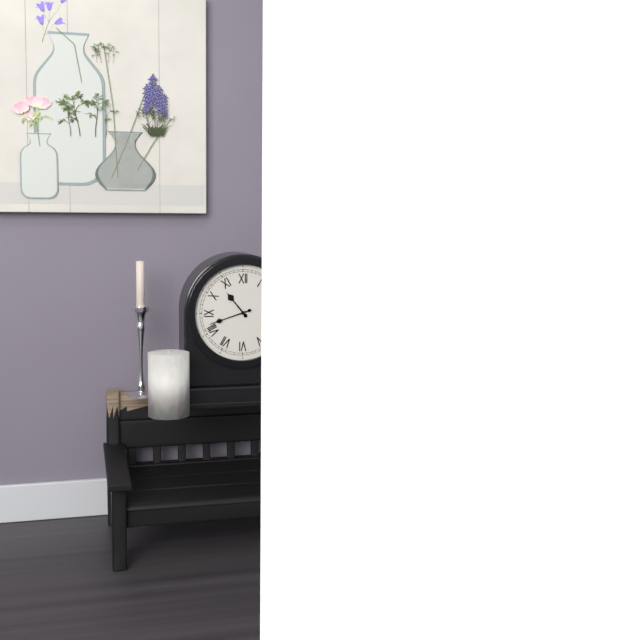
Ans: 10:42
